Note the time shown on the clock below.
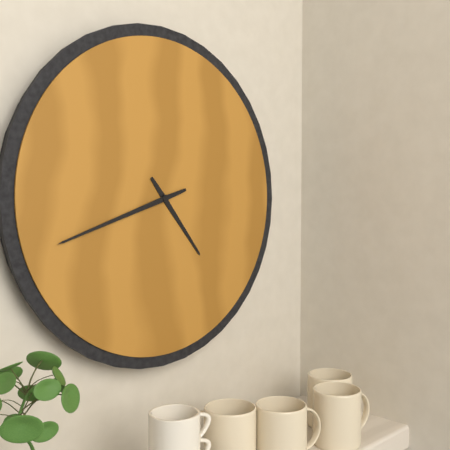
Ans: 4:42
